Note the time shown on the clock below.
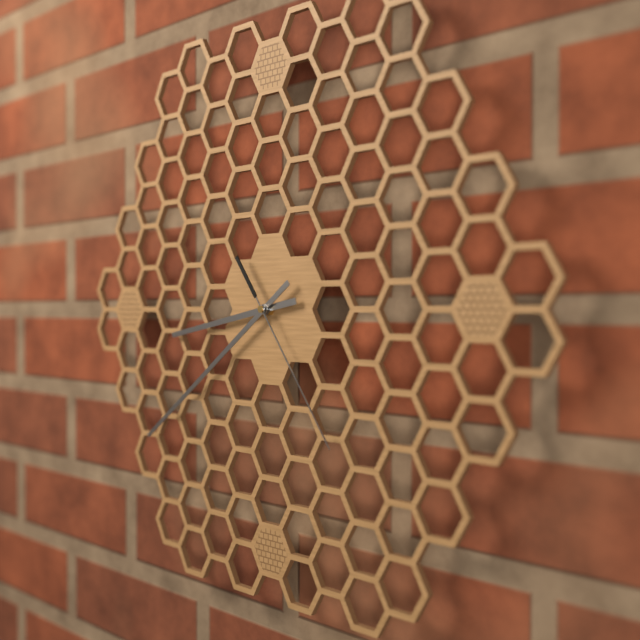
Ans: 8:39:24
